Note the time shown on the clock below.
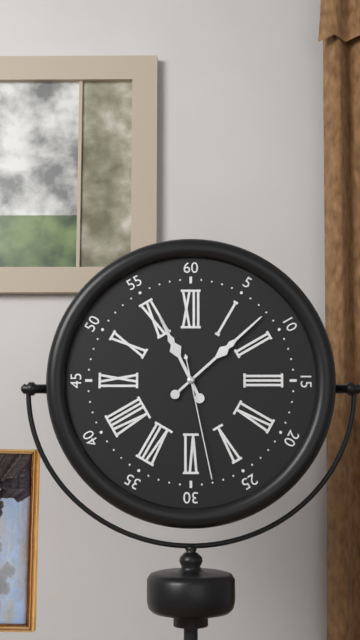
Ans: 11:08:28
